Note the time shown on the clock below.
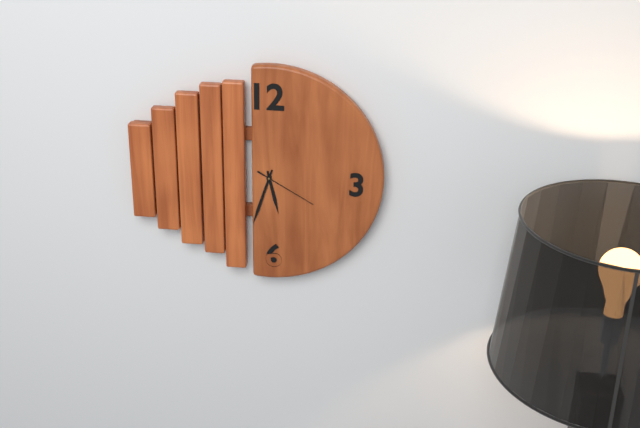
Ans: 5:33:20
